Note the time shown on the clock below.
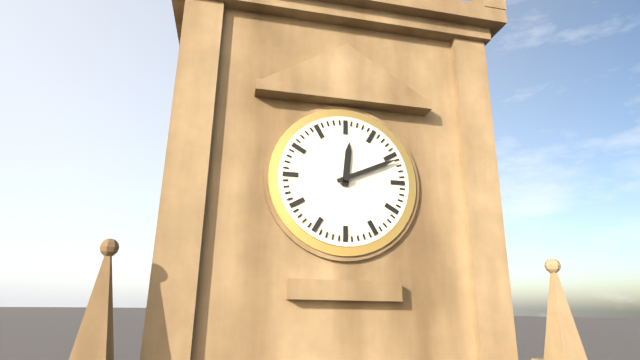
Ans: 12:11
